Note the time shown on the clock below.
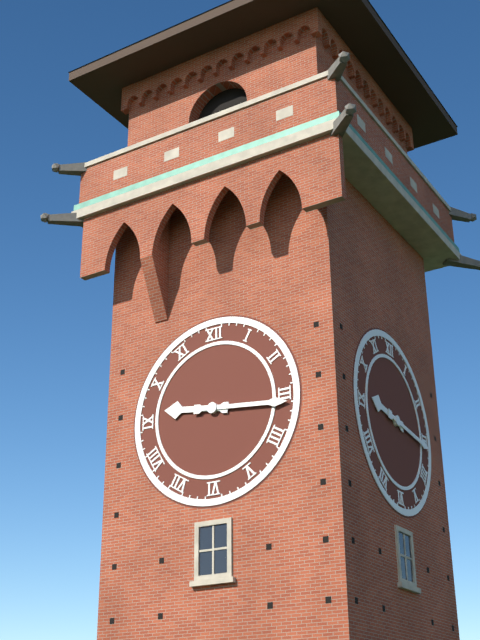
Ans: 9:16
